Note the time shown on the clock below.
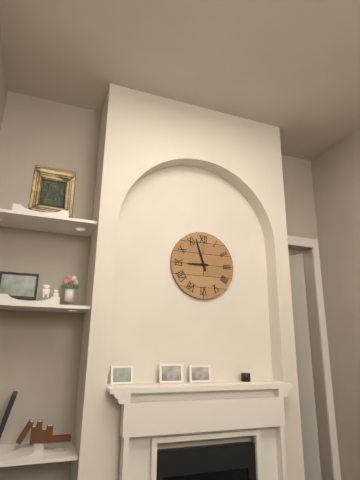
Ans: 8:57
